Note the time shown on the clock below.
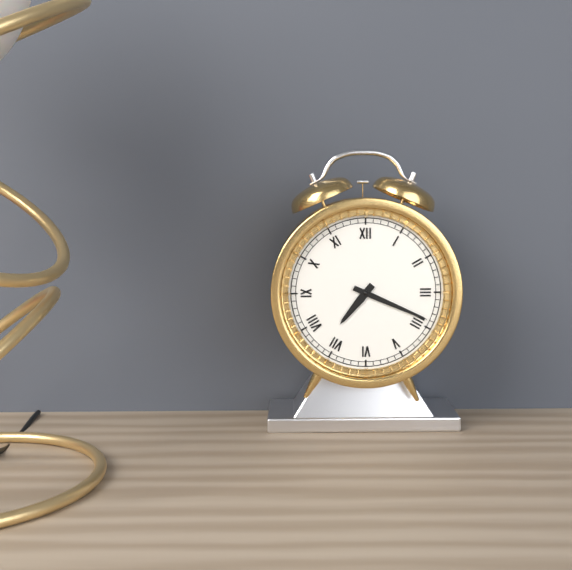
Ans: 7:19
